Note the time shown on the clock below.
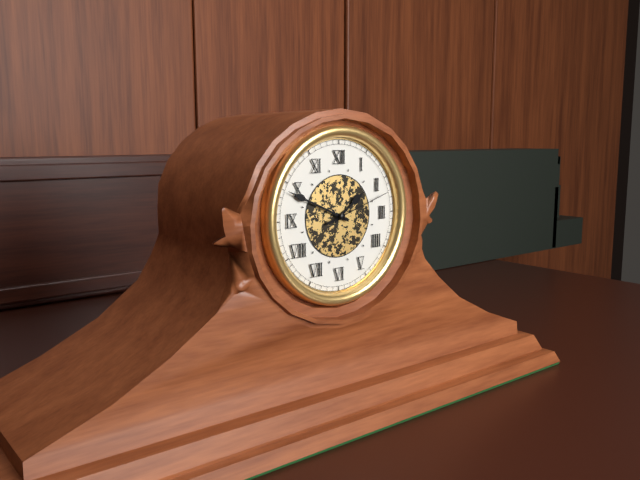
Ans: 1:49:12
